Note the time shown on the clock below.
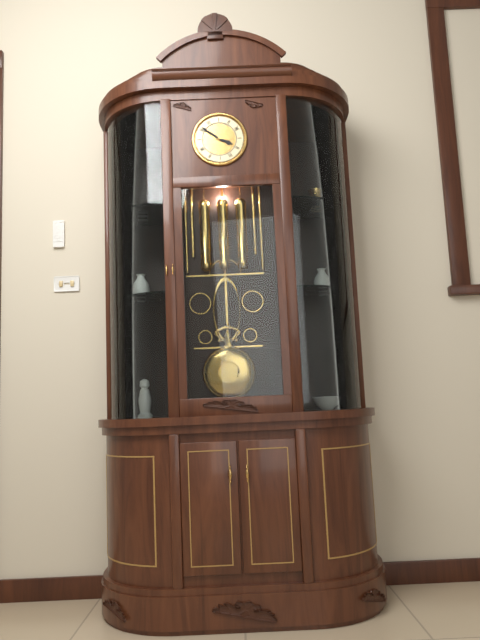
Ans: 3:51
